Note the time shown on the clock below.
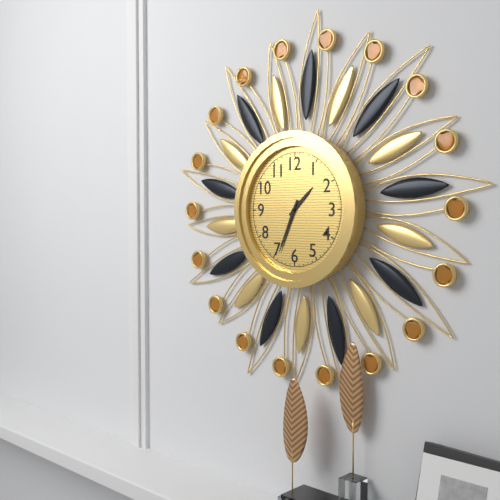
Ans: 1:34
